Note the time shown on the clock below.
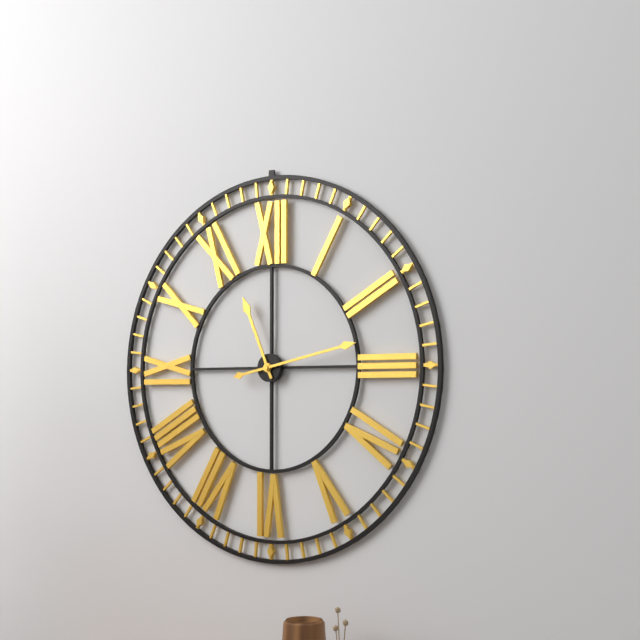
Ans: 11:13
